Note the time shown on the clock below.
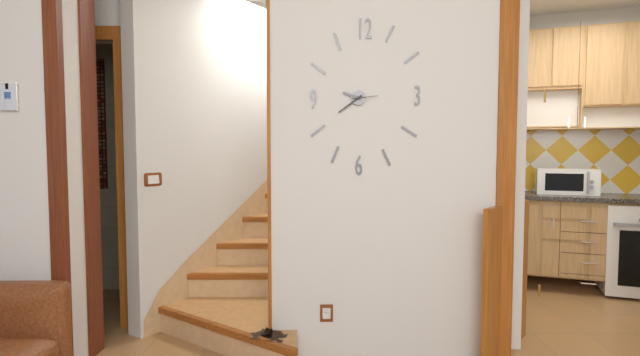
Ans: 9:39
